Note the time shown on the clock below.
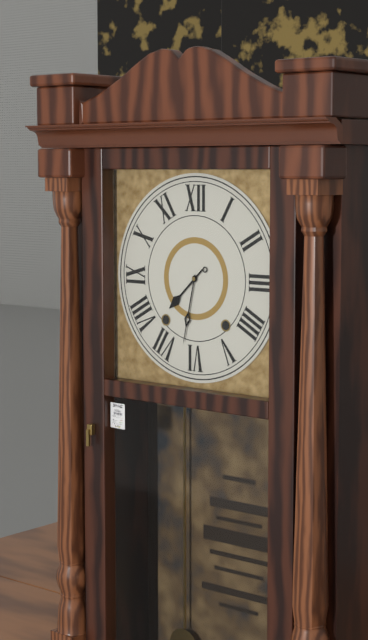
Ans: 7:32
